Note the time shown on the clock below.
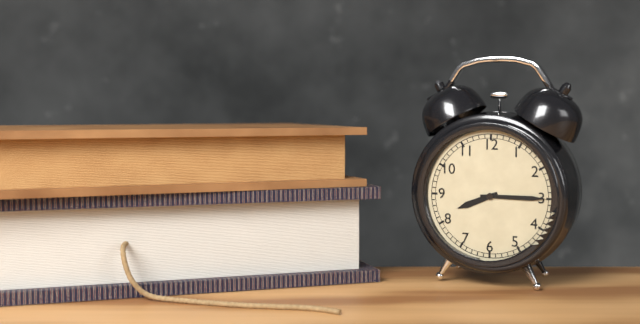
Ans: 8:15
